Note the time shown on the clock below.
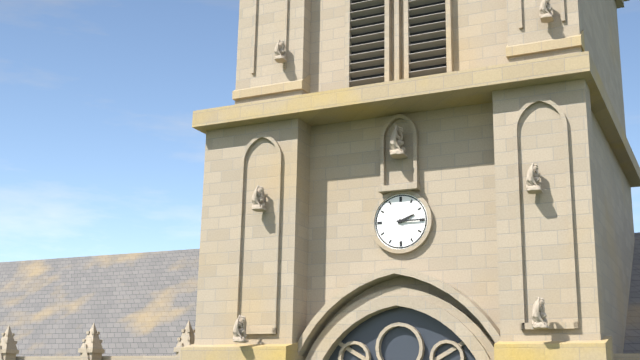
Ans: 2:15
